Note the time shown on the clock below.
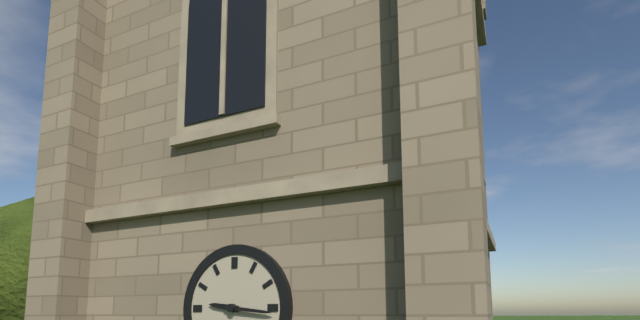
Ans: 9:16
